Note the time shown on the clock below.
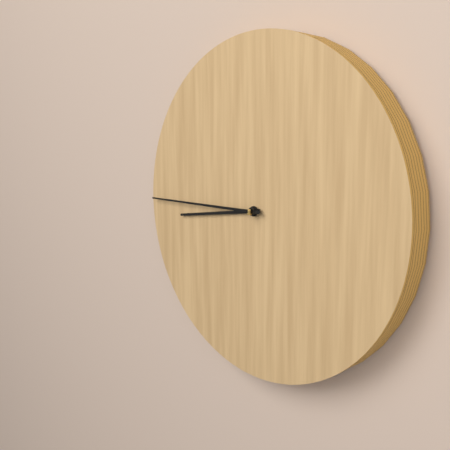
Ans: 8:45
